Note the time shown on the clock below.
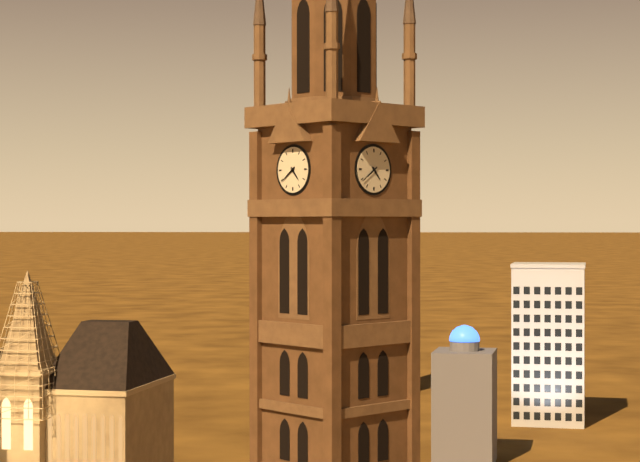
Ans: 4:39
